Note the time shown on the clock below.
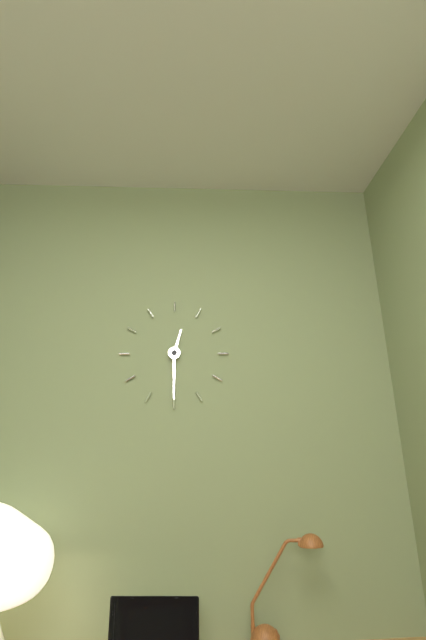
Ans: 12:30
